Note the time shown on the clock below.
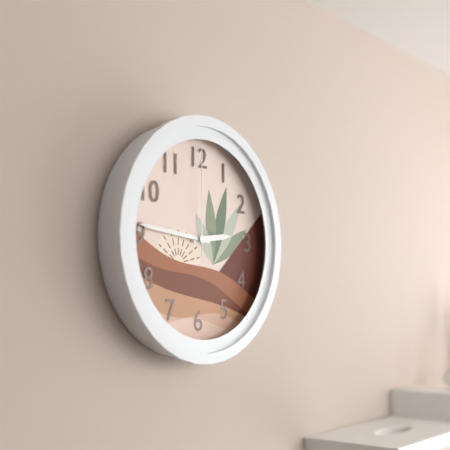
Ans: 2:46:00
